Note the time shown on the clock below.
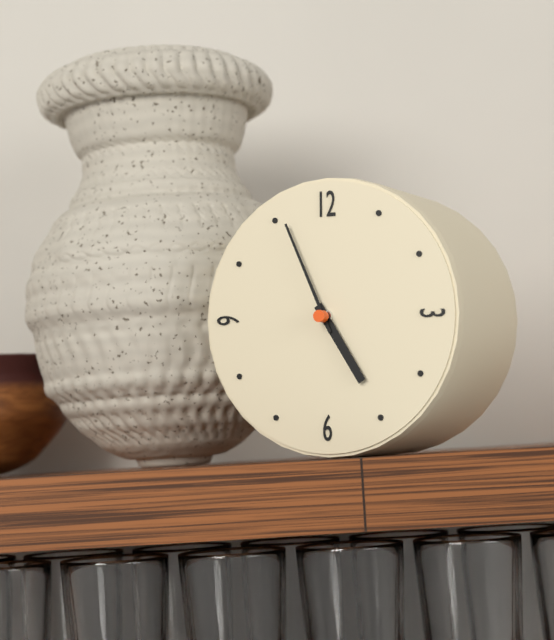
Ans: 4:56
